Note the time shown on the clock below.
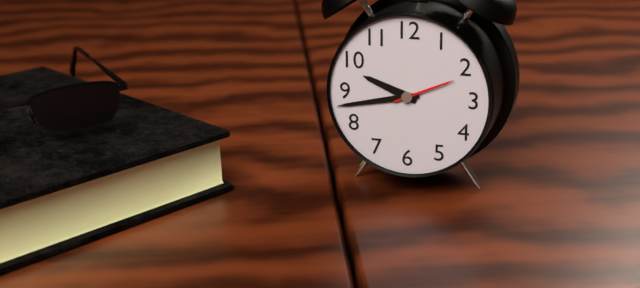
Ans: 9:43:11
